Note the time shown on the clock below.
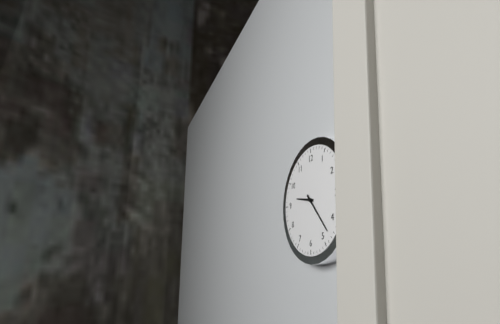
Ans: 9:23
